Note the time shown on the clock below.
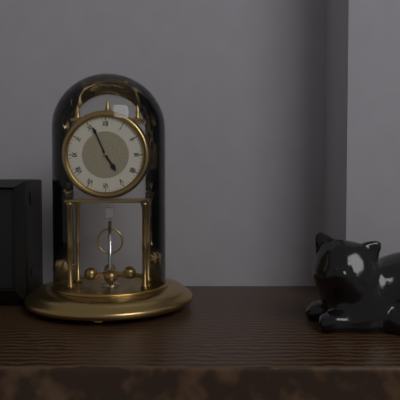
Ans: 4:56
